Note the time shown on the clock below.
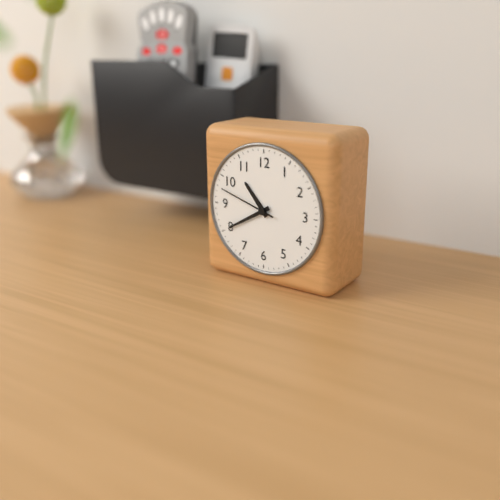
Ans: 10:40:48
